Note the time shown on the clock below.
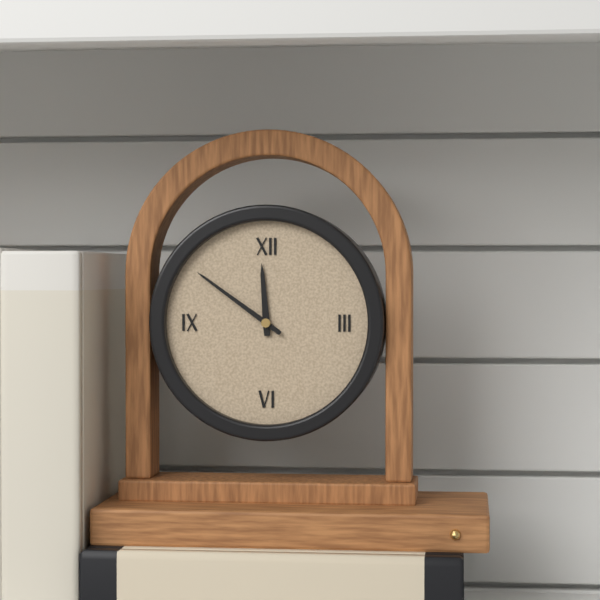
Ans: 11:51
